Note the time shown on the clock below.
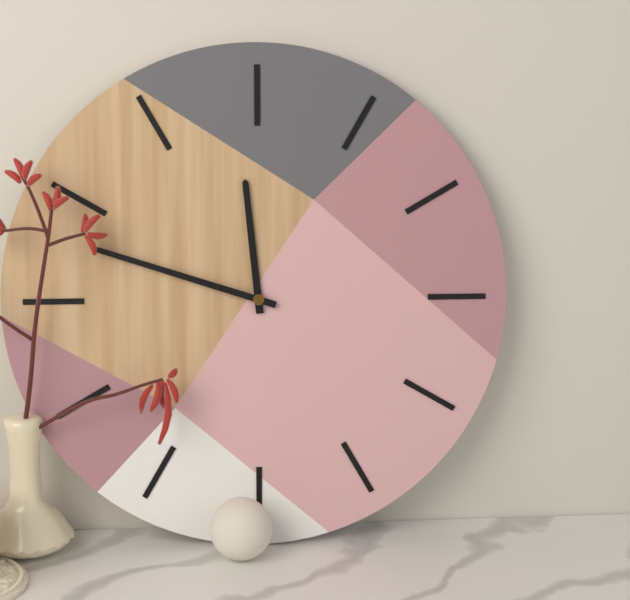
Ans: 11:48
